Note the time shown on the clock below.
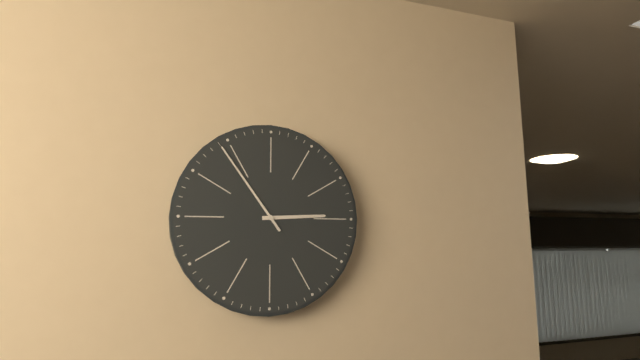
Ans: 2:54
